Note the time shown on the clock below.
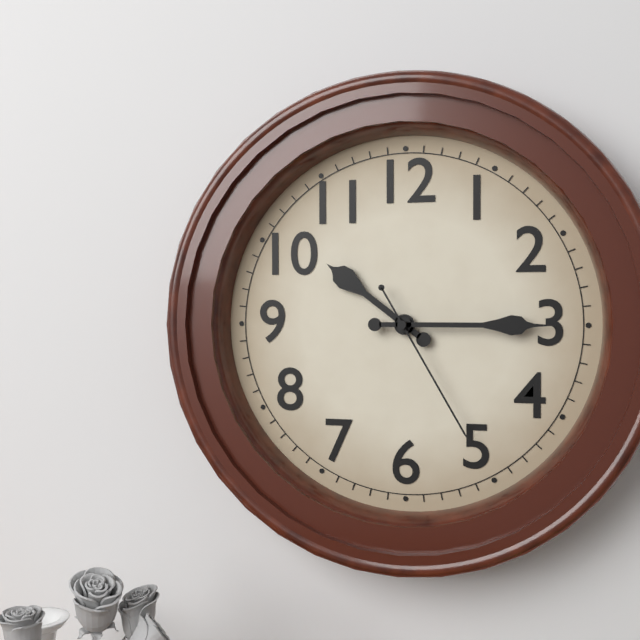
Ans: 10:15:25
